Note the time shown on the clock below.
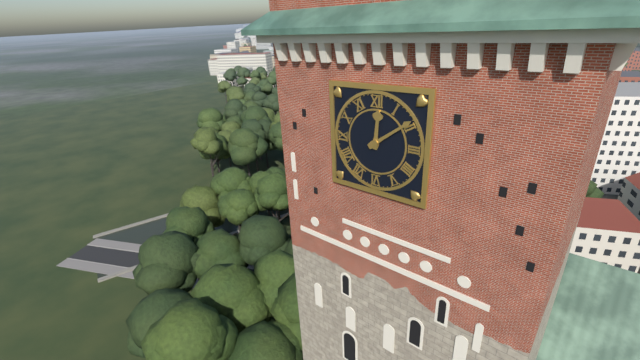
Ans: 12:09
